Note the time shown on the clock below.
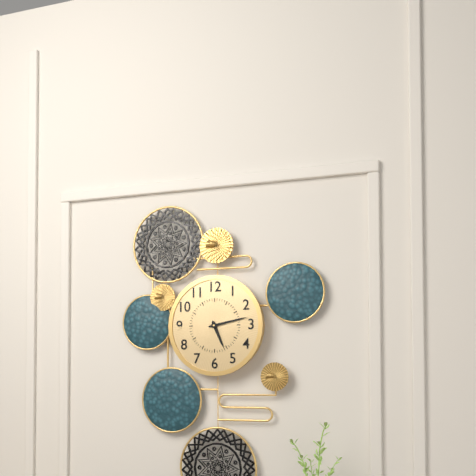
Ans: 5:13
